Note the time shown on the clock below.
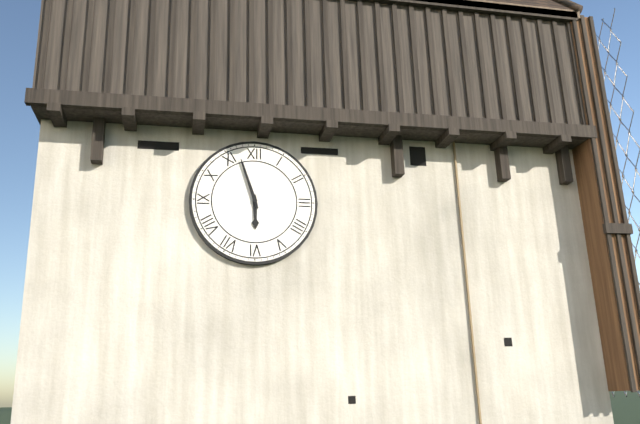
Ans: 5:57
